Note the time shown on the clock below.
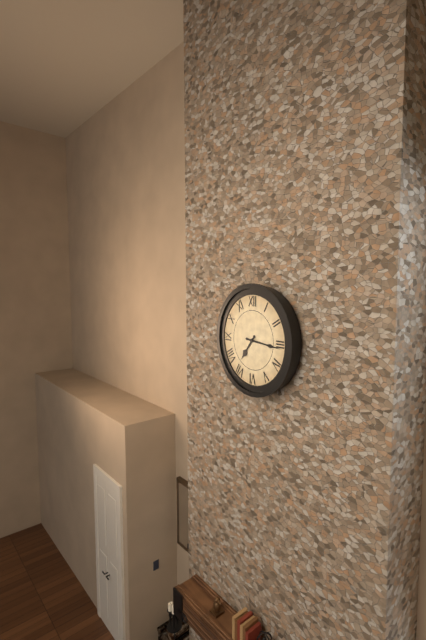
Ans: 7:16
